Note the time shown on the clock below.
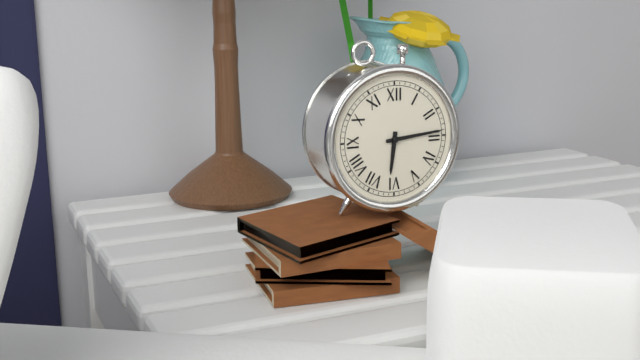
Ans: 6:14
